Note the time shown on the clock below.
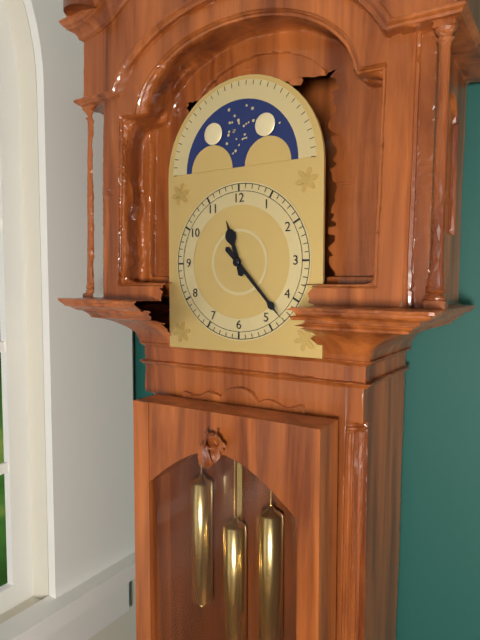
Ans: 11:23
